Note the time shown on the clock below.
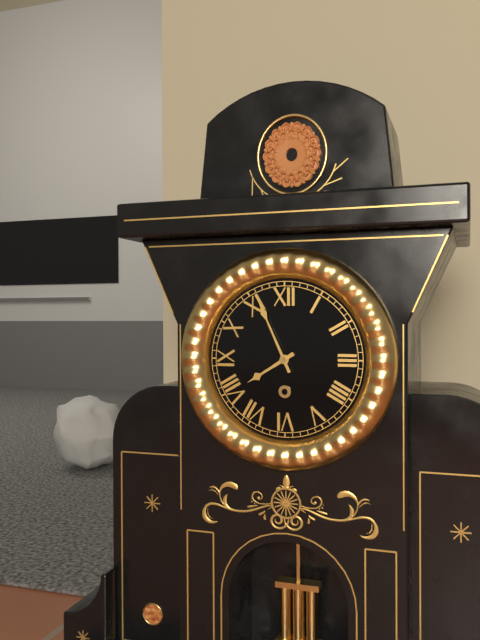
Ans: 7:56
